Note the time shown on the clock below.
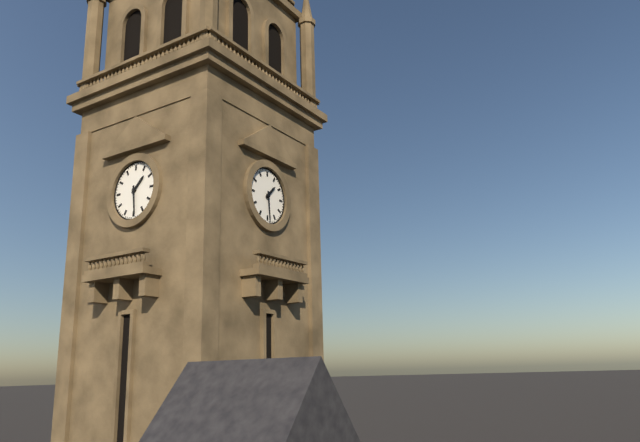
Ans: 1:29
